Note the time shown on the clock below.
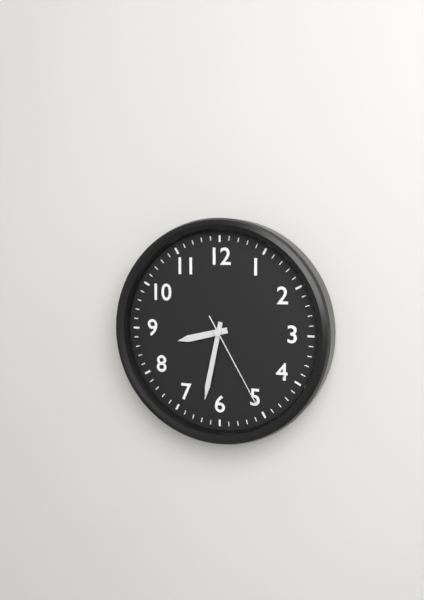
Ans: 8:32:25
